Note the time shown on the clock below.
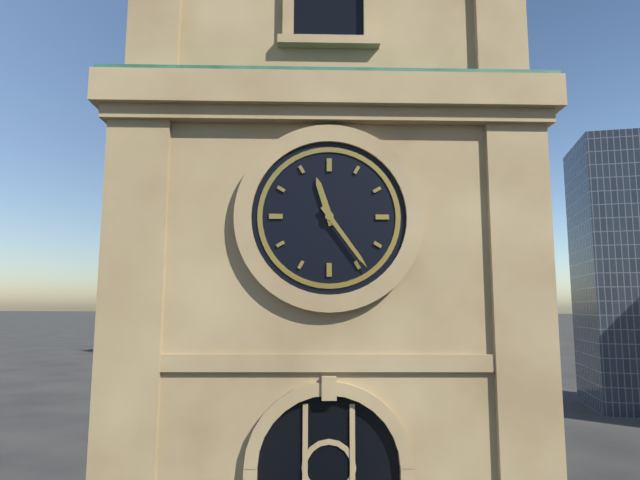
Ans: 11:24
